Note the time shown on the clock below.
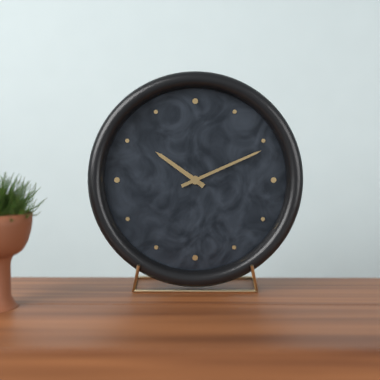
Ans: 10:11
